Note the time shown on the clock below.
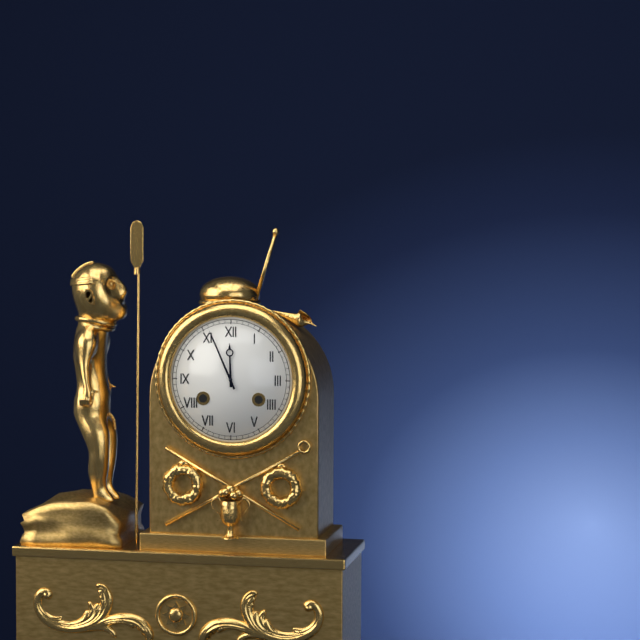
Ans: 11:56
